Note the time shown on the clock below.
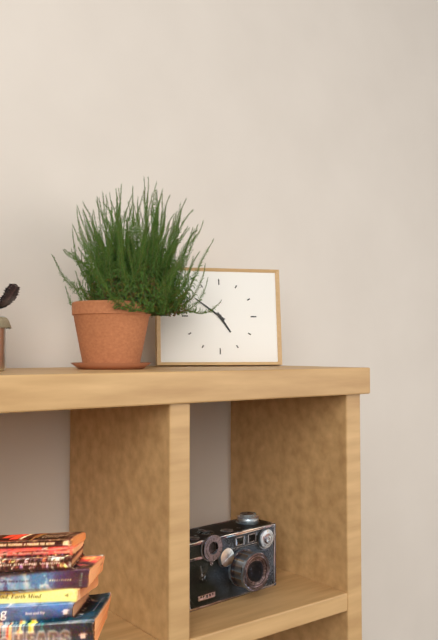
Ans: 4:51
